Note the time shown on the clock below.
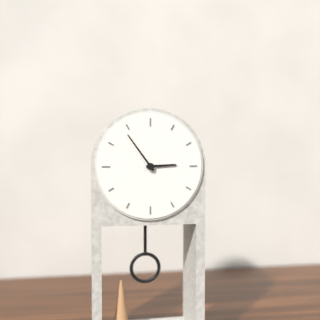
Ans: 2:54
